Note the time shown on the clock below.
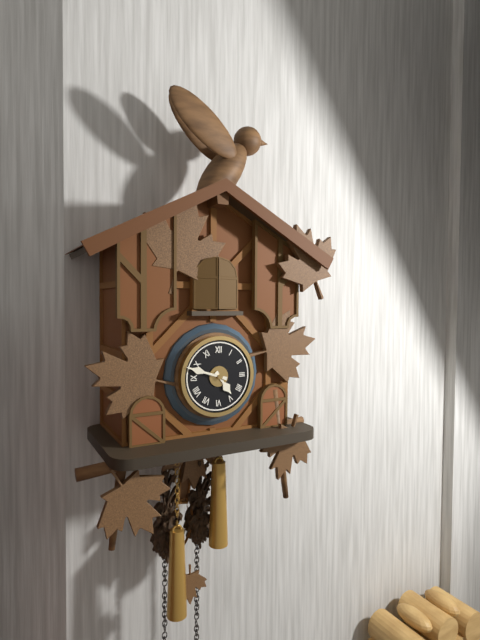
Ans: 4:48
